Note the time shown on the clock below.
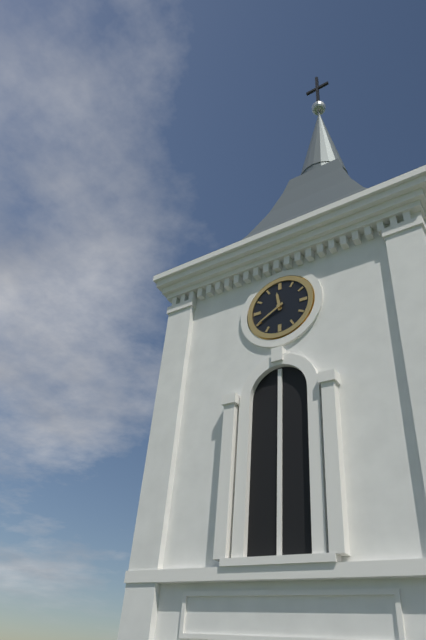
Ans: 11:40
